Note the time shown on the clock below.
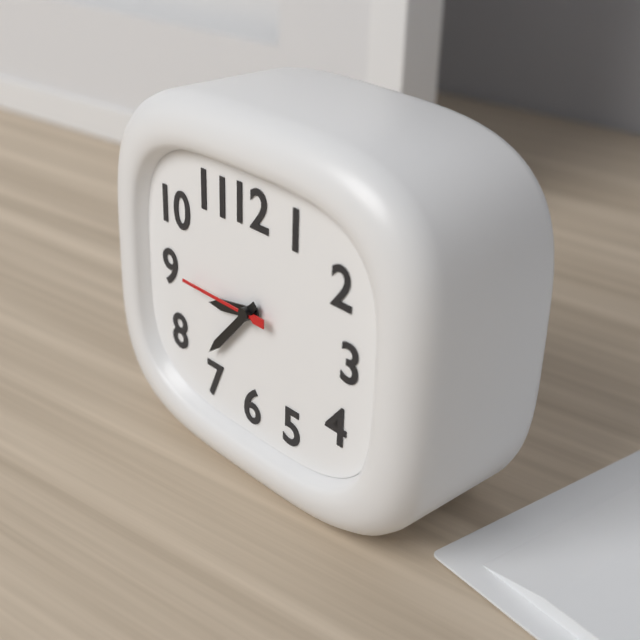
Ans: 8:37:45
